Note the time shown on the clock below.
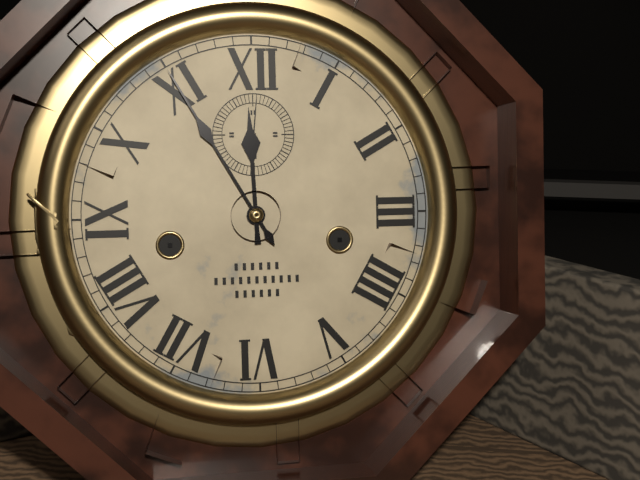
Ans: 11:55
